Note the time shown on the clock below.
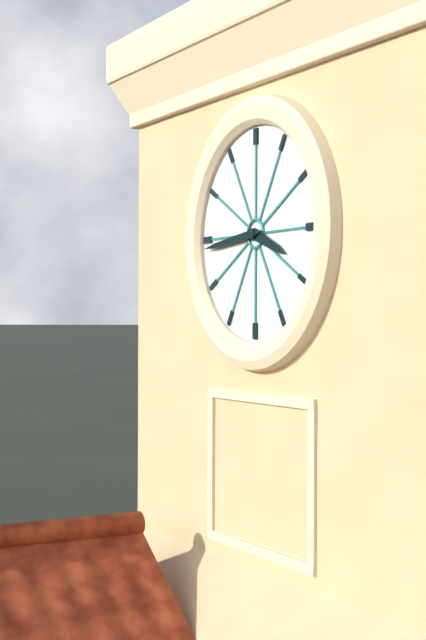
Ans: 3:44
